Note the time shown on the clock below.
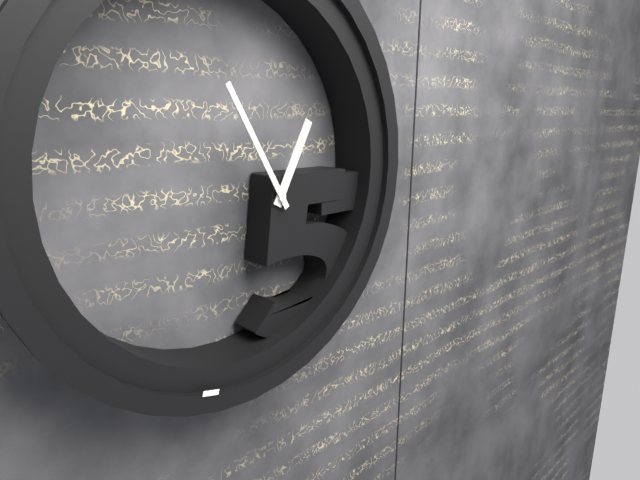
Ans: 12:55
